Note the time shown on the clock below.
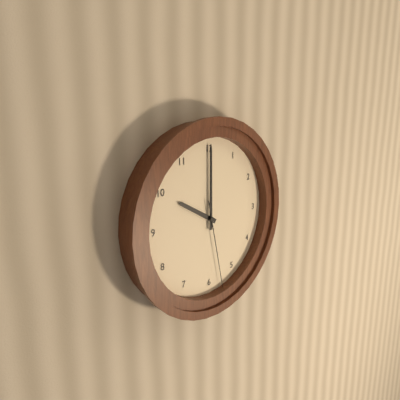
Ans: 10:00:28
